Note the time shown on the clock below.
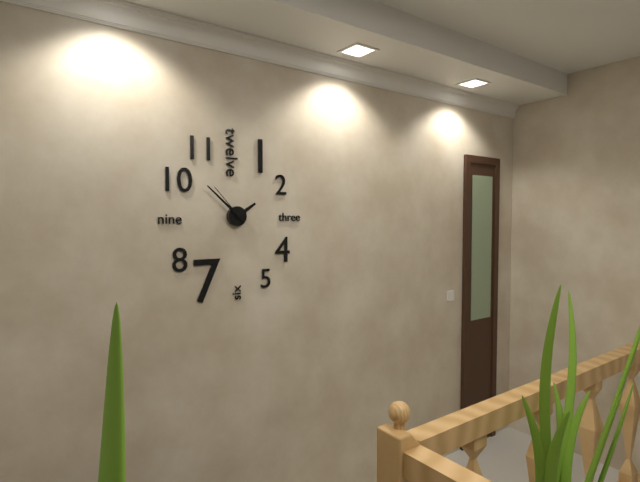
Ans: 1:52
